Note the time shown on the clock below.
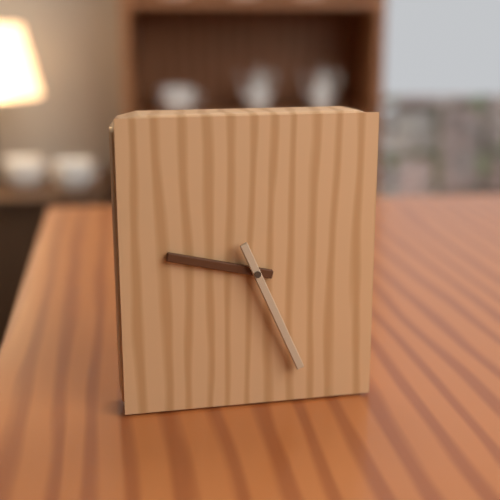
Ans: 9:26
